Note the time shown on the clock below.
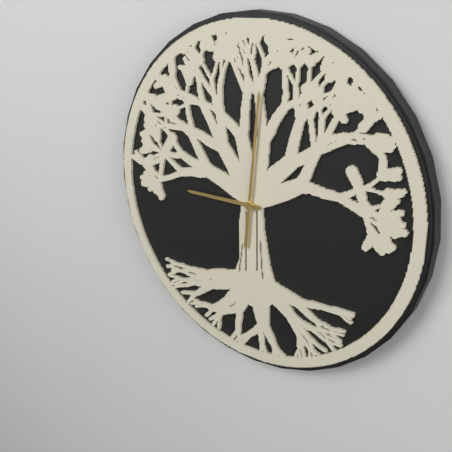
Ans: 9:01
